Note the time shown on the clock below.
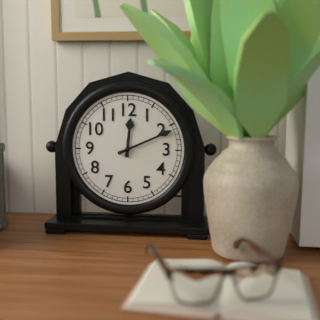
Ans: 12:11
